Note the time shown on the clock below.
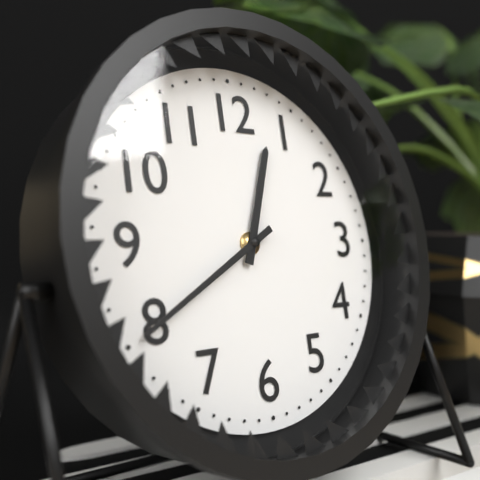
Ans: 12:40
